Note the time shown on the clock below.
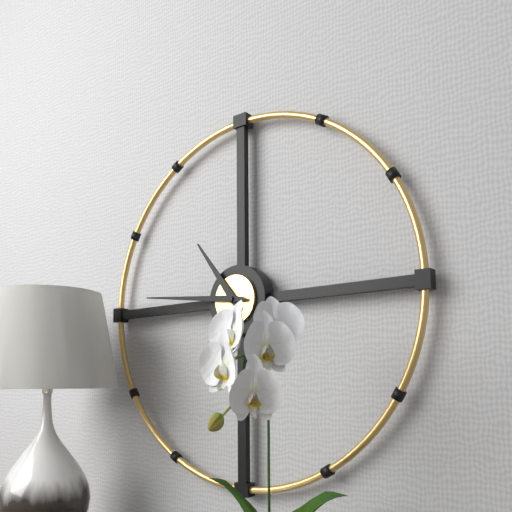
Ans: 10:46
